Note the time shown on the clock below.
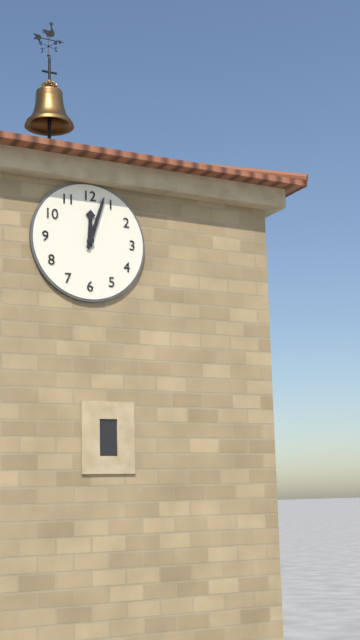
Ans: 12:03
